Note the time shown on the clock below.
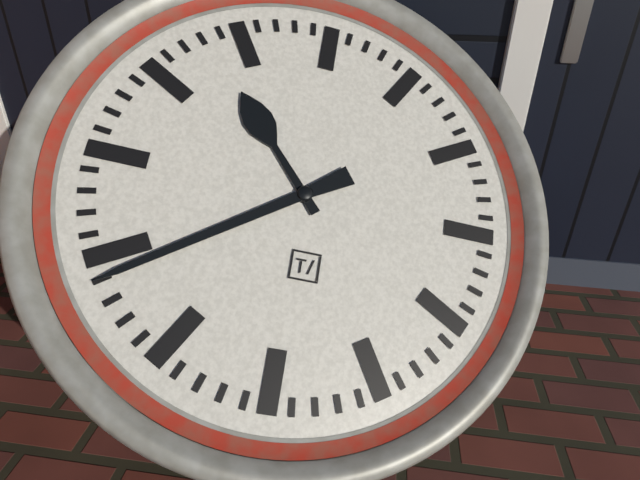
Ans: 10:39
